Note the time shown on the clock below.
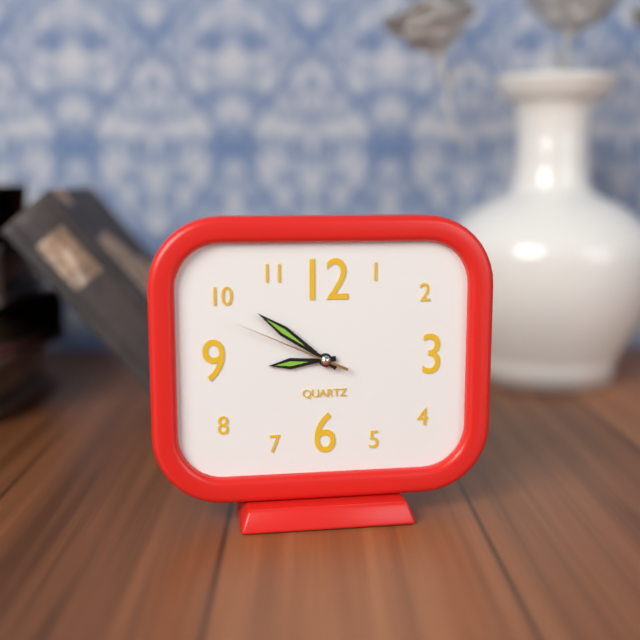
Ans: 8:51:49
